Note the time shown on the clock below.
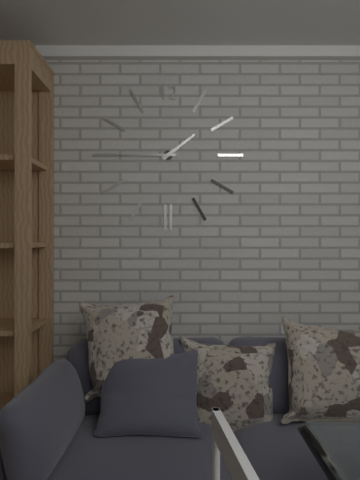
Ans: 1:45
